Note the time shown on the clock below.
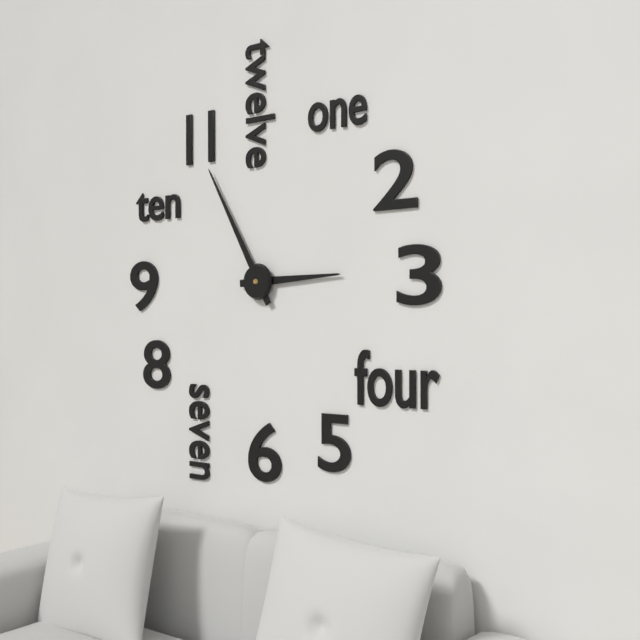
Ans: 2:55
